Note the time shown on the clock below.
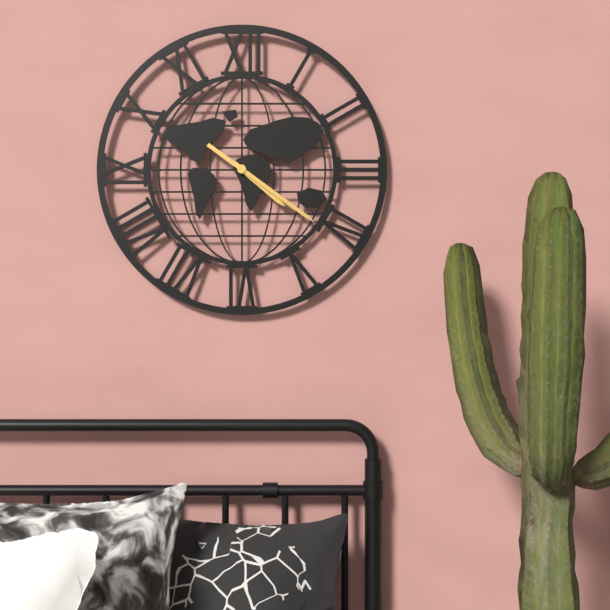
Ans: 4:21
